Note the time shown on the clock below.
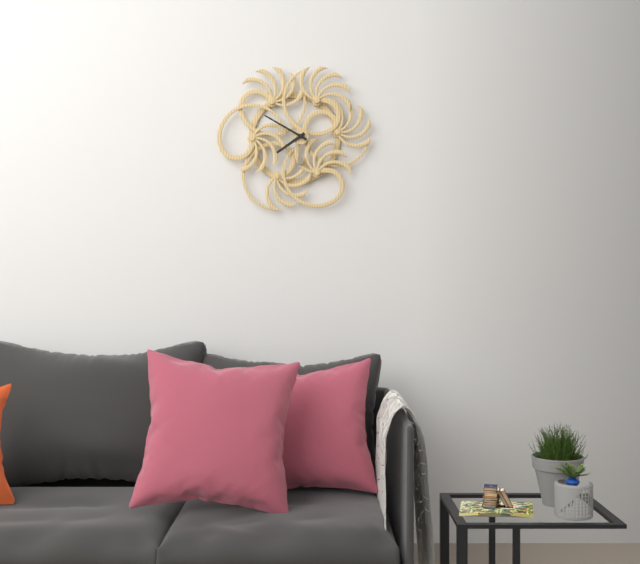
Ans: 7:50
